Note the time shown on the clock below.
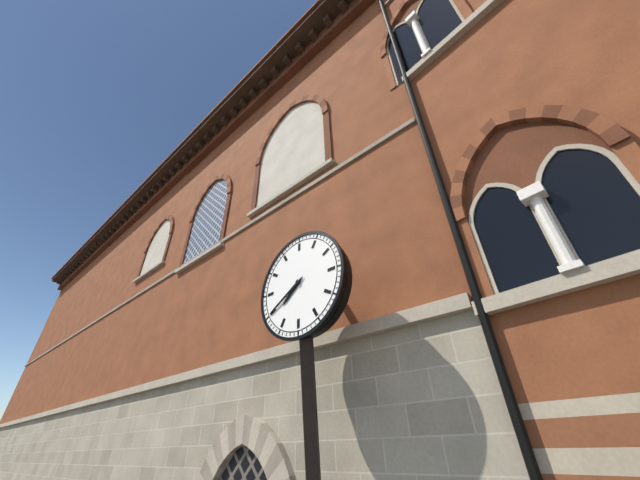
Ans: 7:40
